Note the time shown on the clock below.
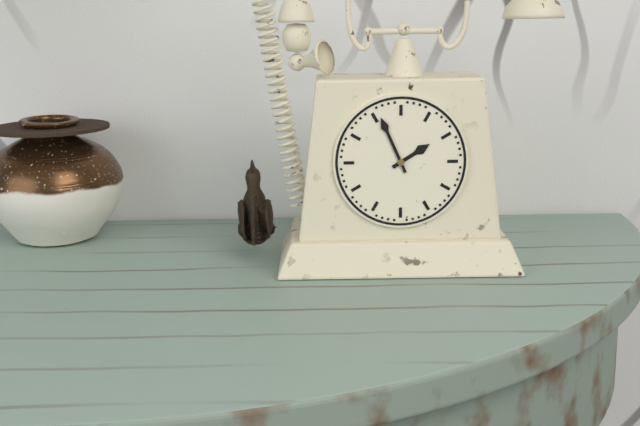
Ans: 1:56
